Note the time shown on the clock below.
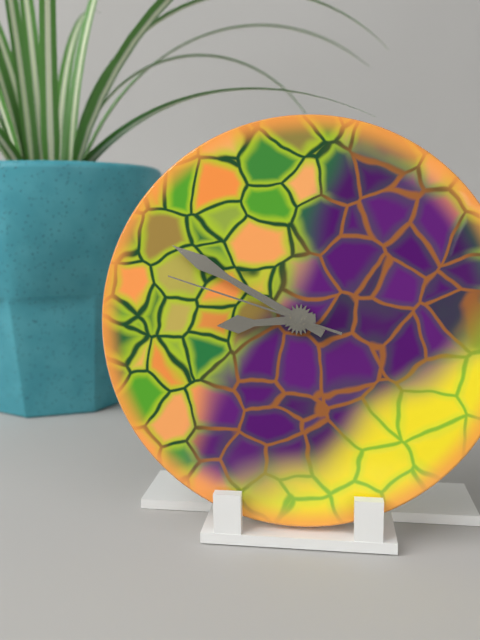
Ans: 8:50:48
